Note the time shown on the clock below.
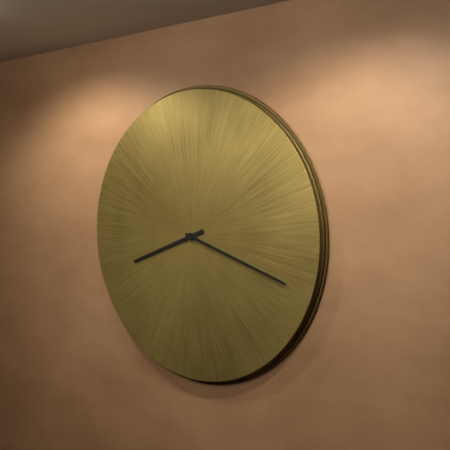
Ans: 8:18
